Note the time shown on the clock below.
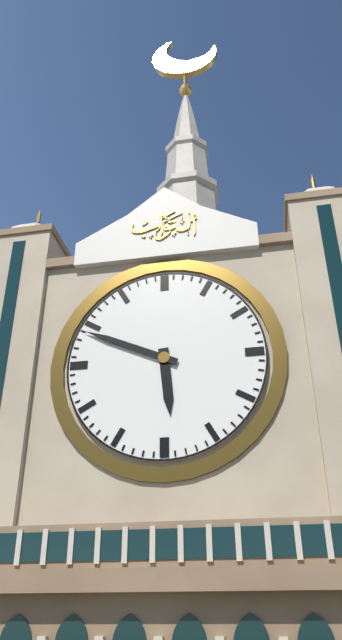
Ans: 5:49
